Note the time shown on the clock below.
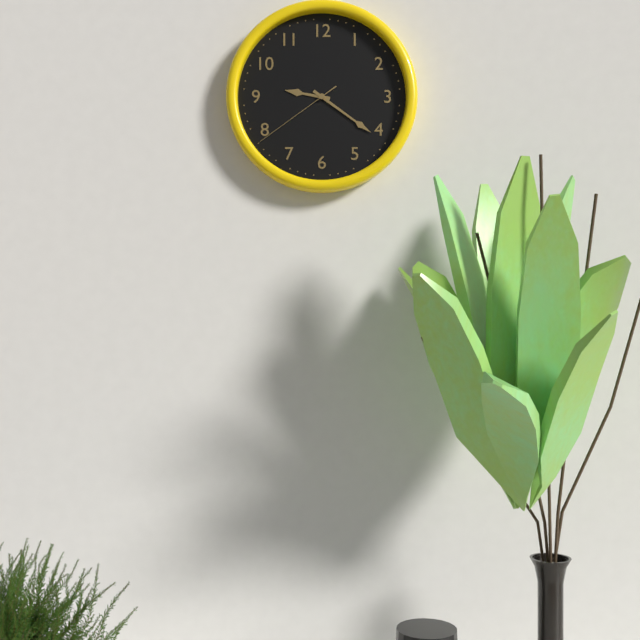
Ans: 9:21:39
